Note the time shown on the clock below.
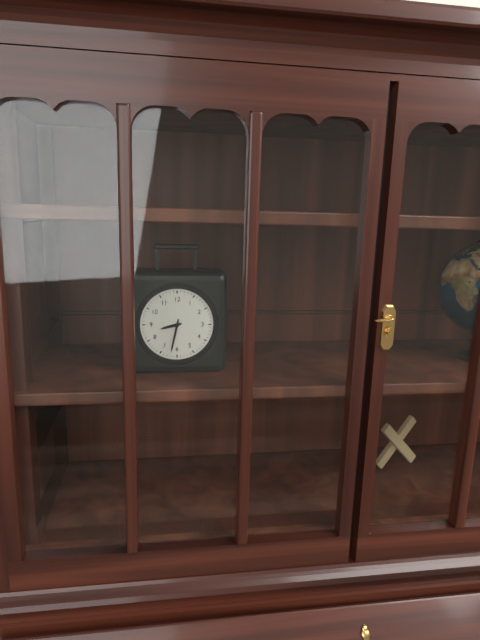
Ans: 8:32
